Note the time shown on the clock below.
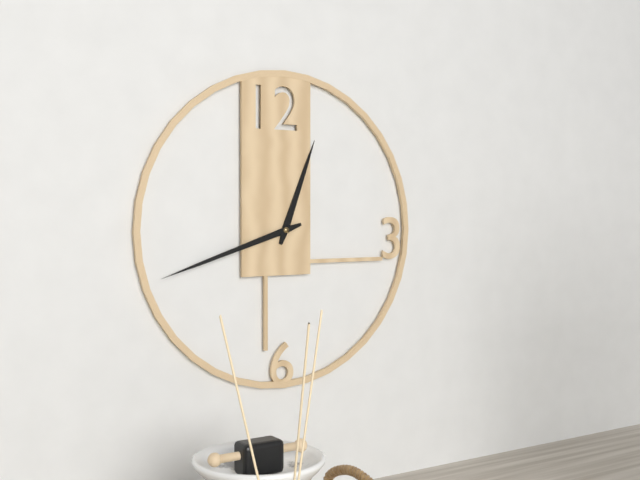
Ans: 12:42
